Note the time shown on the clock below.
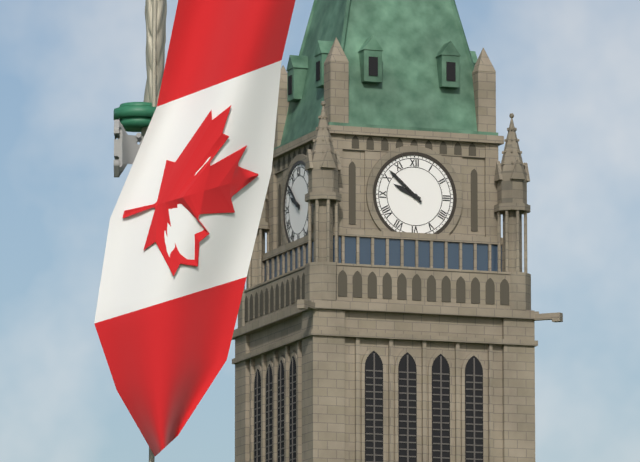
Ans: 9:52
